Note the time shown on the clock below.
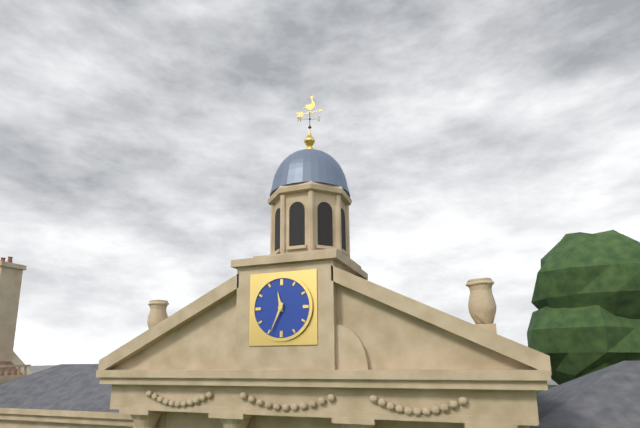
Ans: 11:34
